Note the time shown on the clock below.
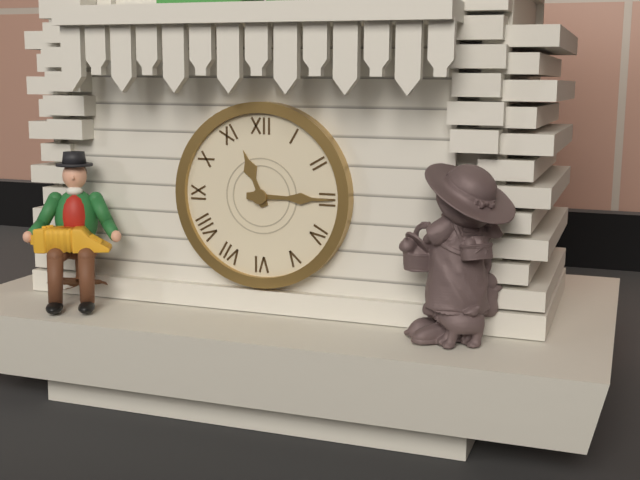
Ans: 11:15
